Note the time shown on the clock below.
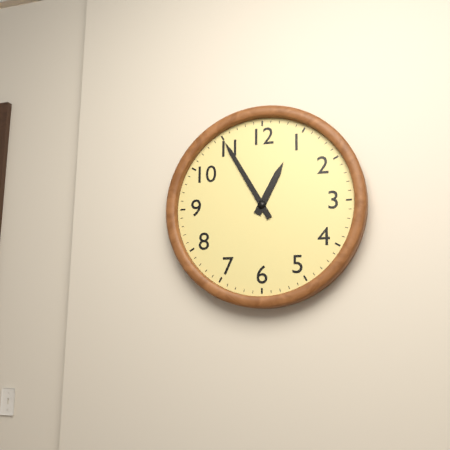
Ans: 12:55
